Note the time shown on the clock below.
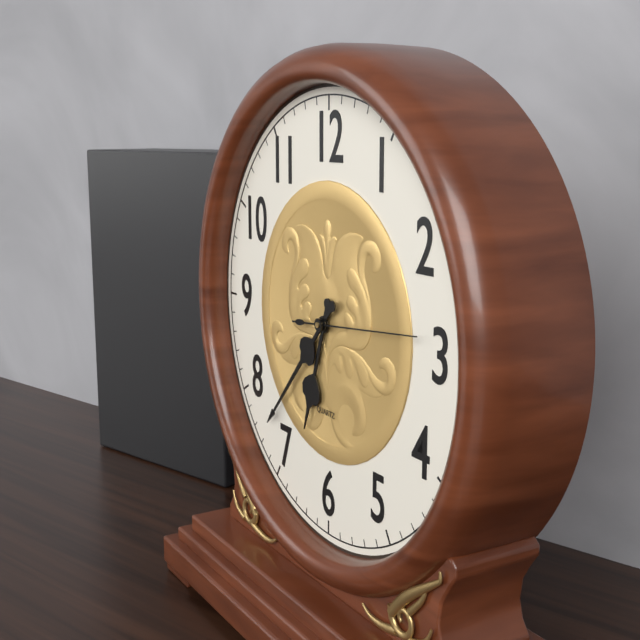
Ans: 6:37:14
